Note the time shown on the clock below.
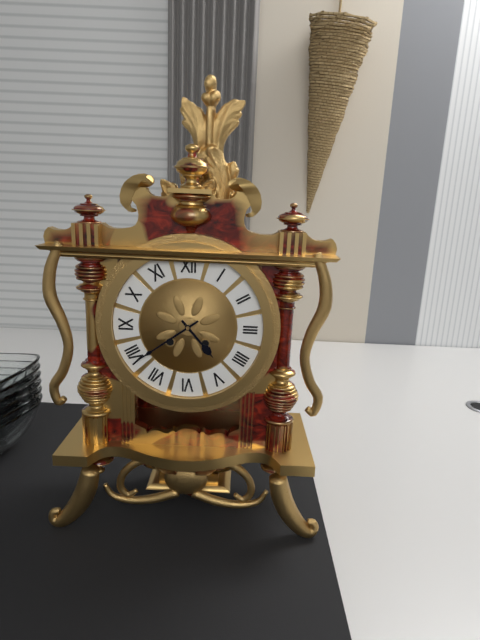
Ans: 4:39
